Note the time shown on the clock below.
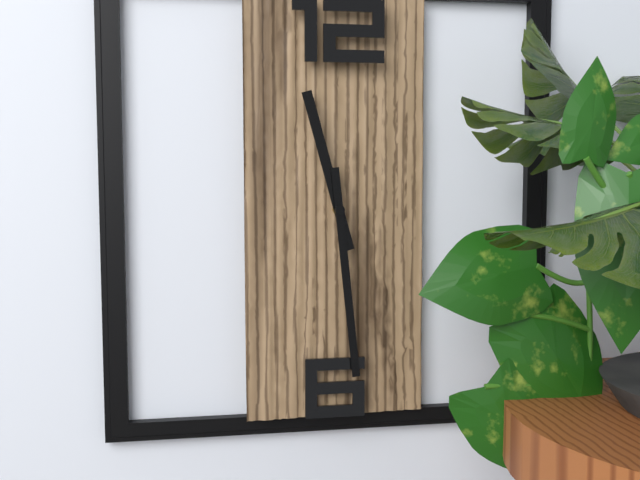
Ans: 11:29
